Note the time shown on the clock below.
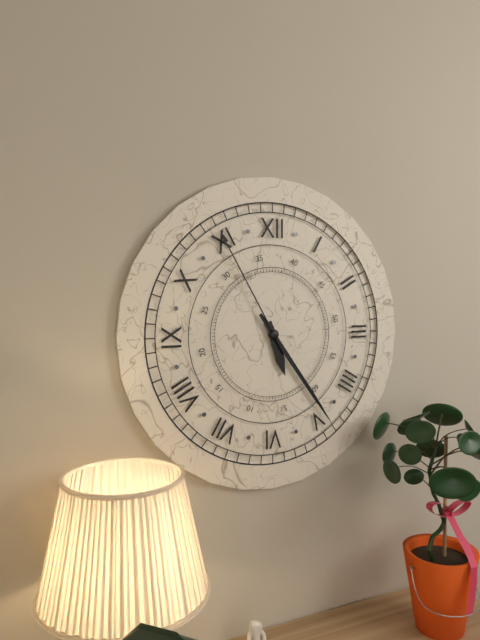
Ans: 5:24:55
